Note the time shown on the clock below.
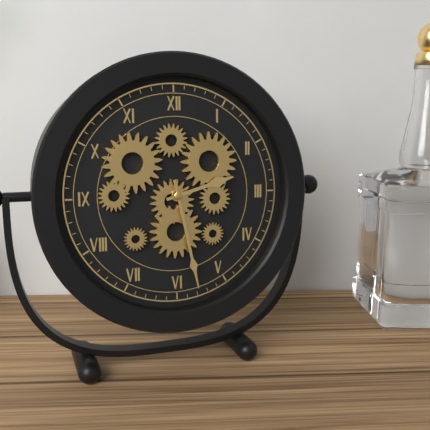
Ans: 2:28
